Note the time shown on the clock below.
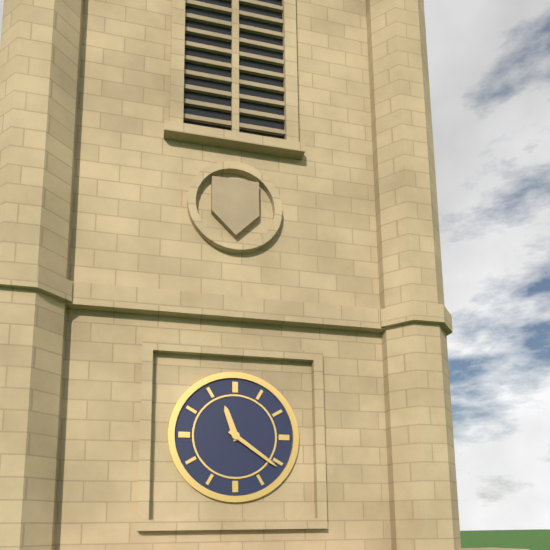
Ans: 11:21
